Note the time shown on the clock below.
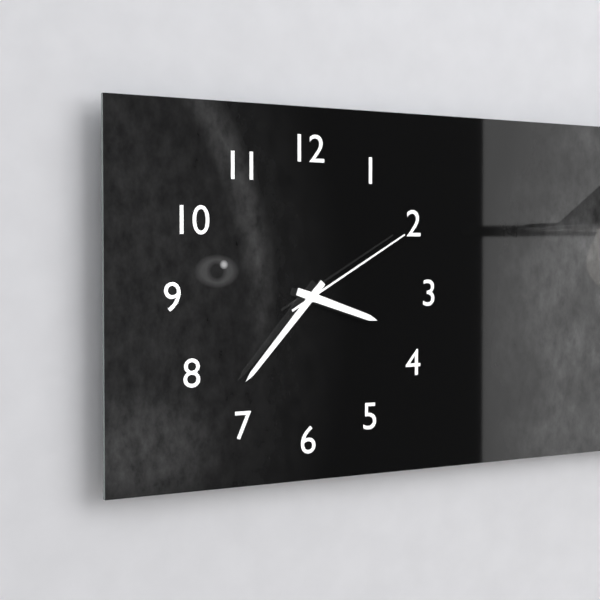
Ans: 3:37:10
